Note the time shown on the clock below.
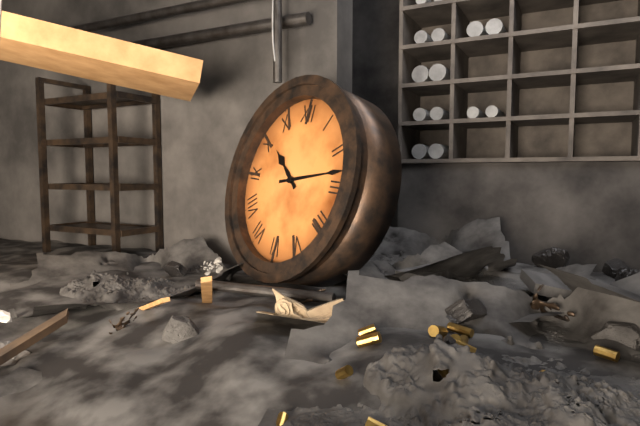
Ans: 10:13
